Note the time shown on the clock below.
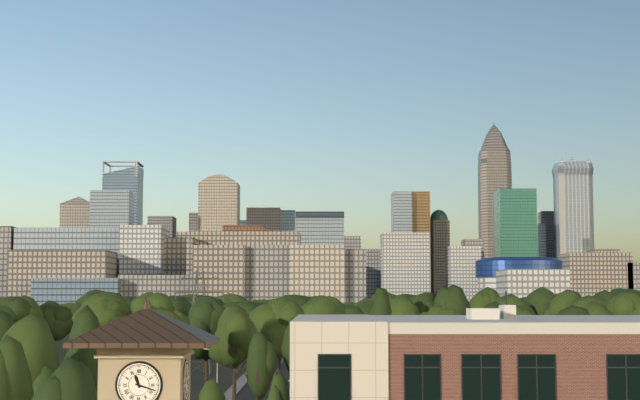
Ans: 11:18
